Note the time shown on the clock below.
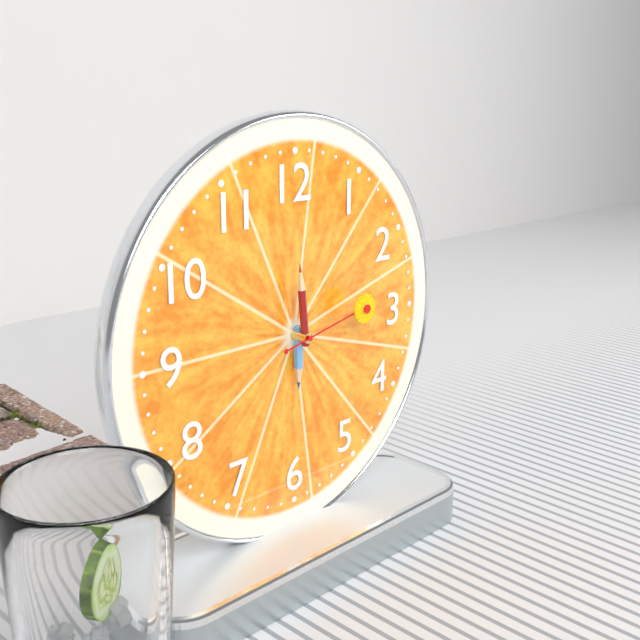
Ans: 5:59:13
